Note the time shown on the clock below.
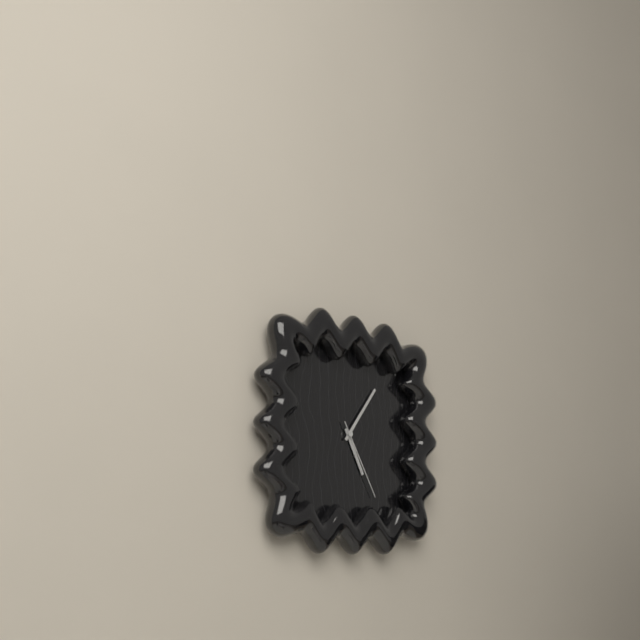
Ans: 5:06:25
